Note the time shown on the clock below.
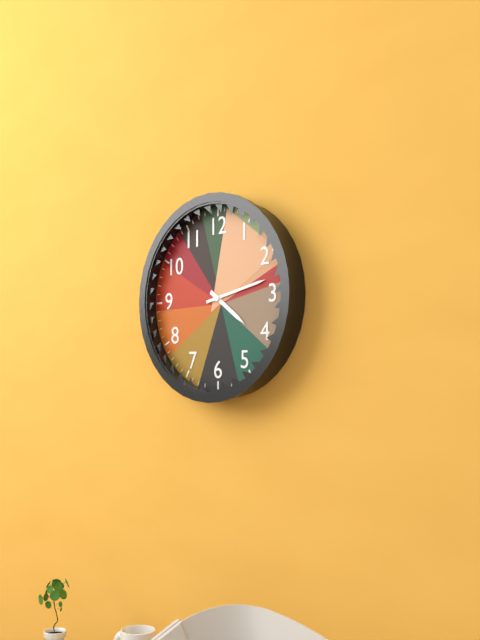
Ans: 4:13
